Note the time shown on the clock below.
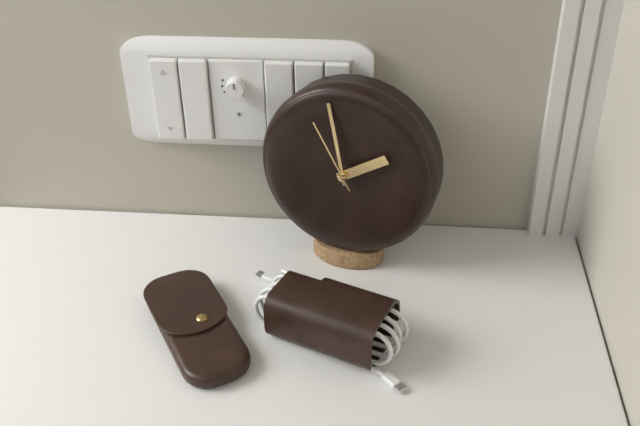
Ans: 1:58:55
